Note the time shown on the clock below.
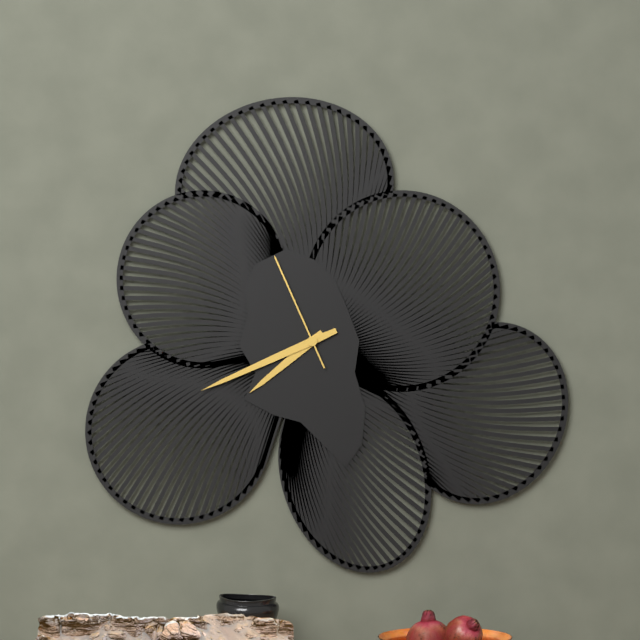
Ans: 7:41:56
